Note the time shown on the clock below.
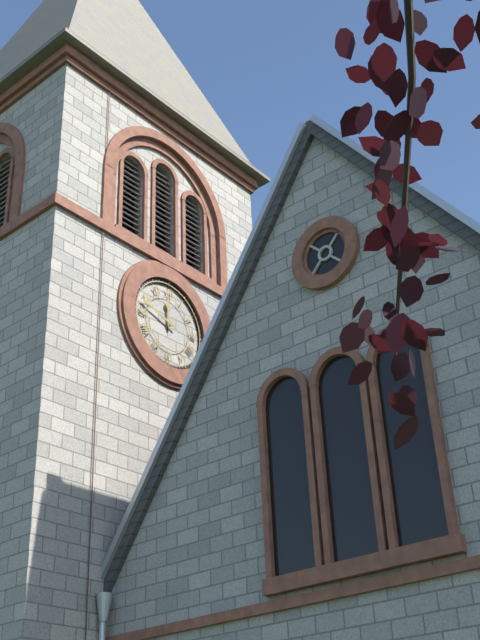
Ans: 11:48
